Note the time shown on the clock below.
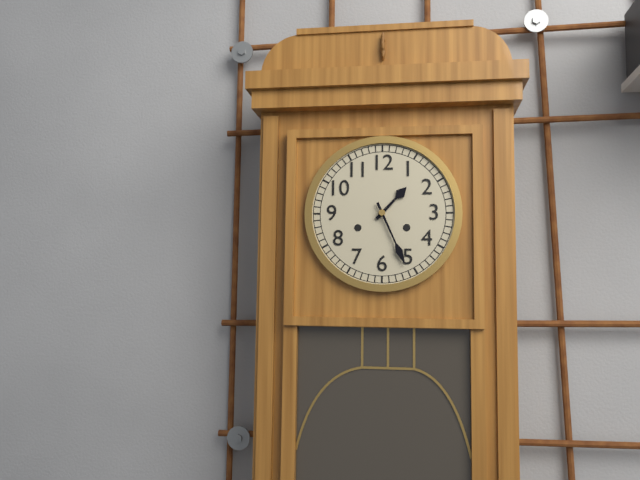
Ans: 1:26
